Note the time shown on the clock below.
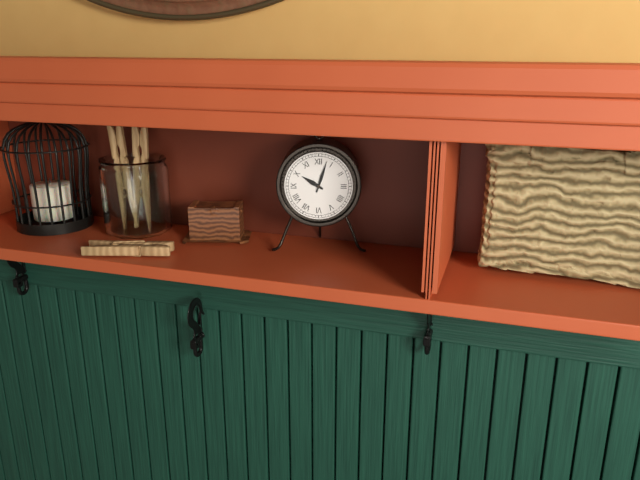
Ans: 10:03
